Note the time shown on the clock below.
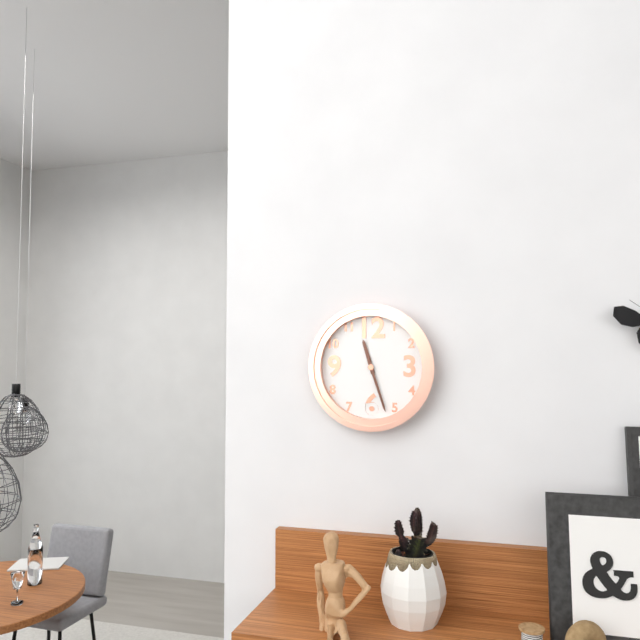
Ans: 11:27
